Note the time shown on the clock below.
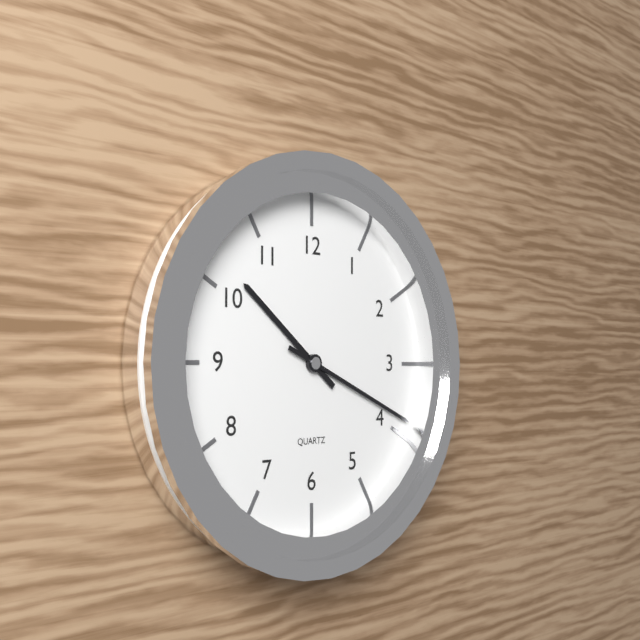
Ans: 10:19
